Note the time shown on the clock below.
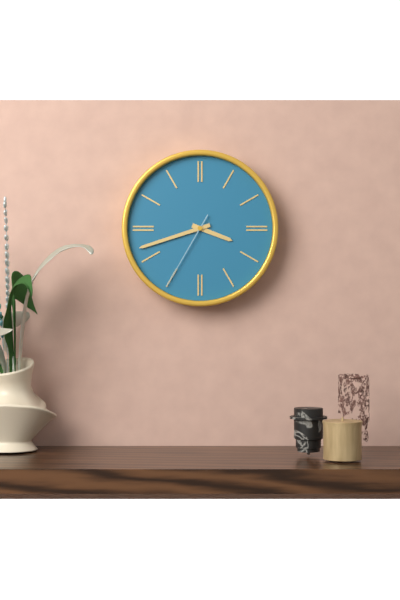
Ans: 3:42:35
